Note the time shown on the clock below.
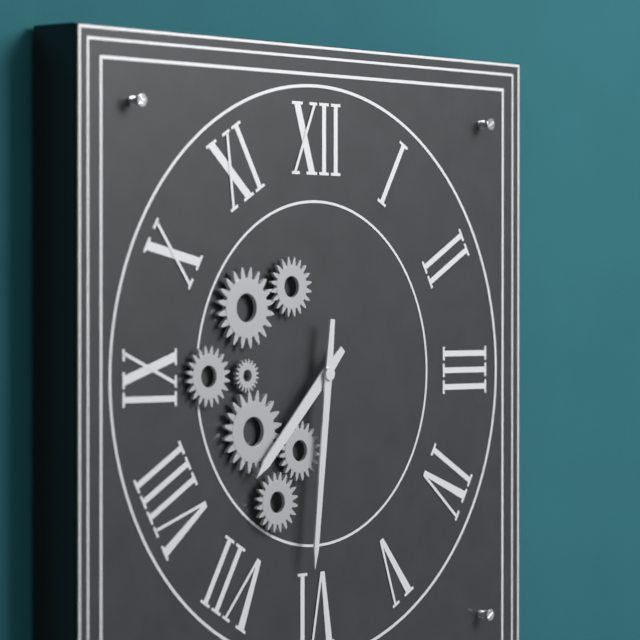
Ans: 7:31
